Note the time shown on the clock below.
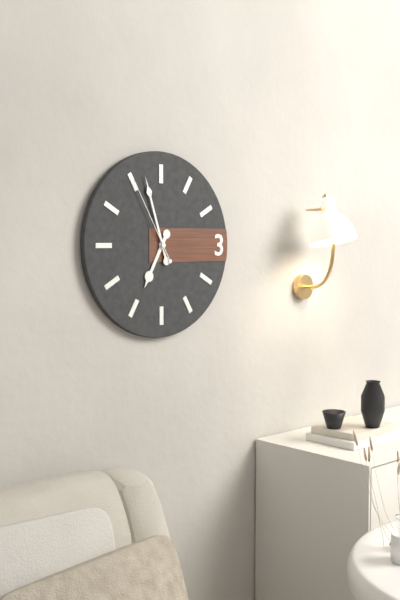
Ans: 6:57:55
